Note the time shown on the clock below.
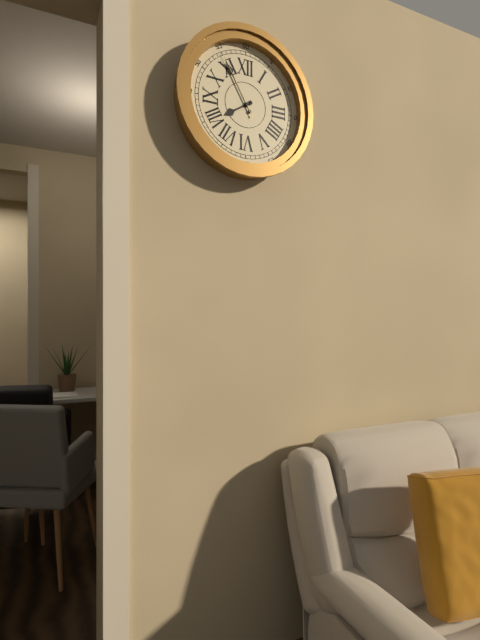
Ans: 7:55:55
